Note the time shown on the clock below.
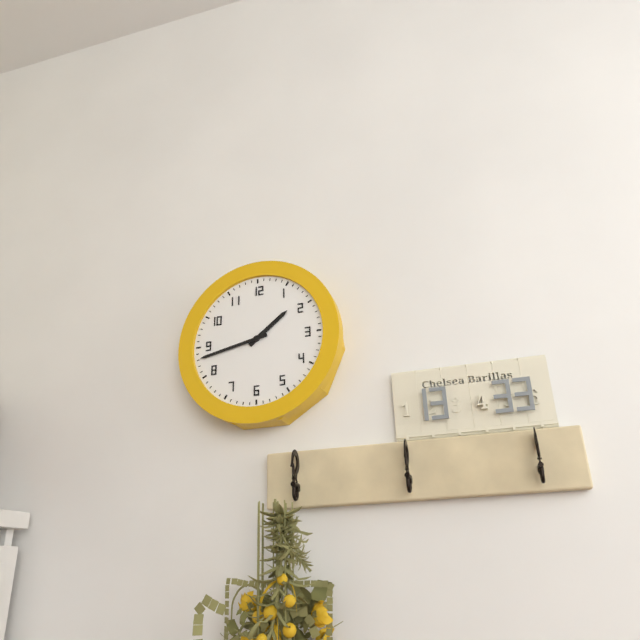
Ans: 1:43
